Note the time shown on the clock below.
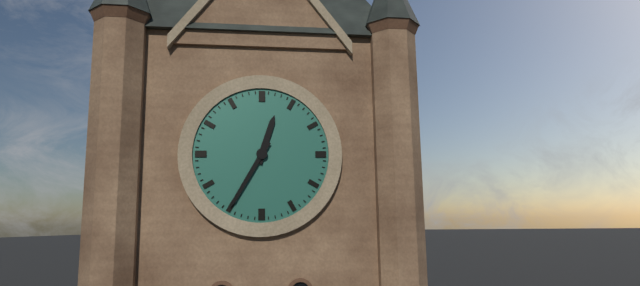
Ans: 12:35
